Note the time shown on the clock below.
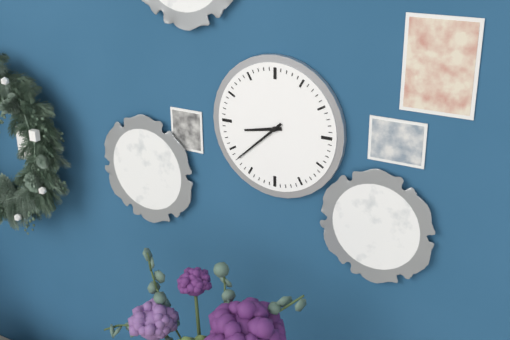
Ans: 8:38
